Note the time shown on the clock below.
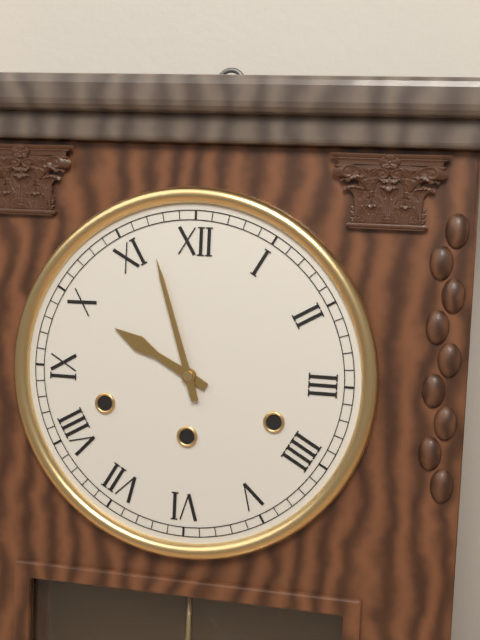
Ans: 9:57
